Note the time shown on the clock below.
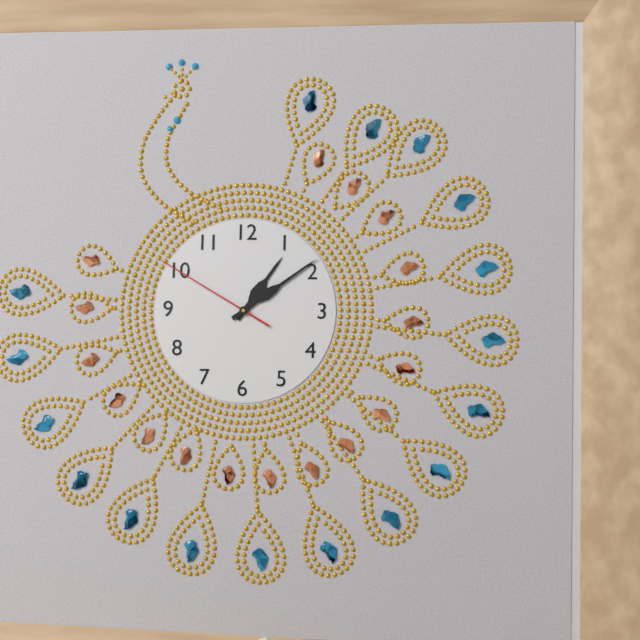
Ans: 1:09:50
